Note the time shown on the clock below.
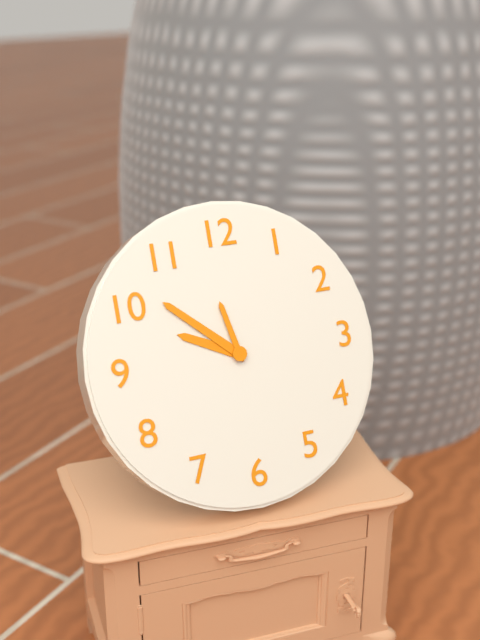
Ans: 9:52:58
